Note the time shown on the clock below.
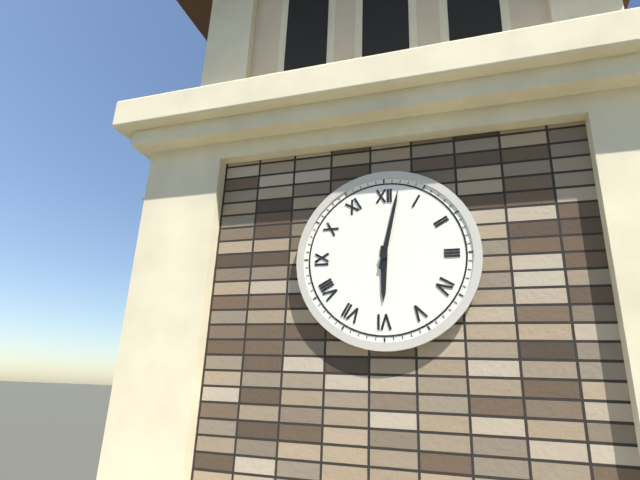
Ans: 6:02
